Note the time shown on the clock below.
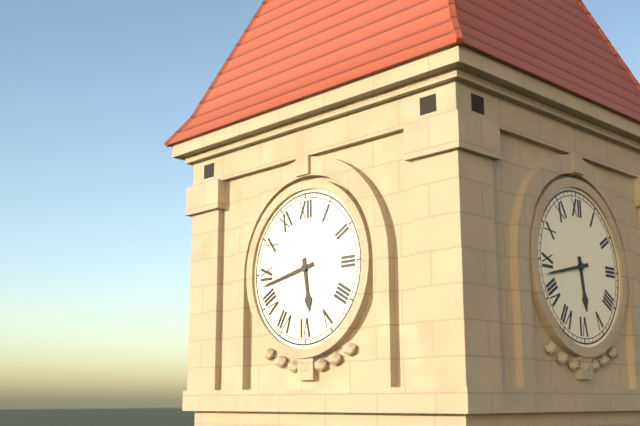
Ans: 5:43
